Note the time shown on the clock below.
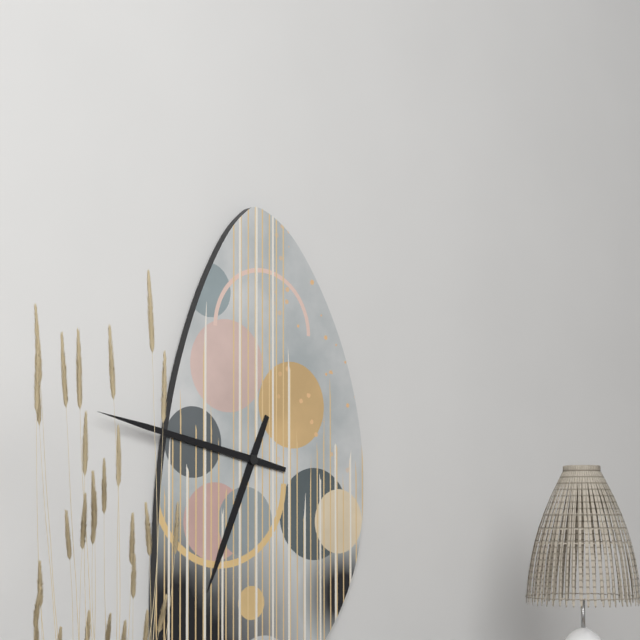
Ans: 6:47
